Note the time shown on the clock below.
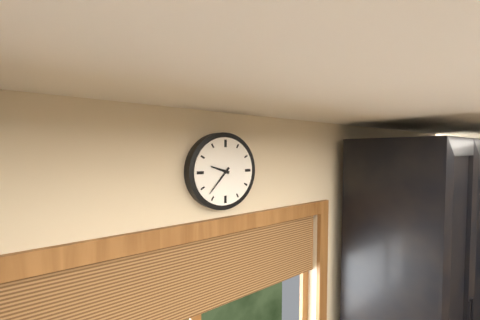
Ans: 9:37
